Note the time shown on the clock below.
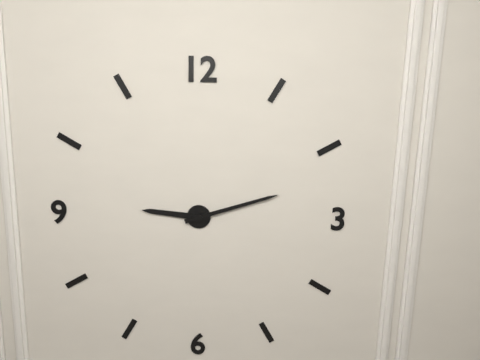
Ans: 9:12
